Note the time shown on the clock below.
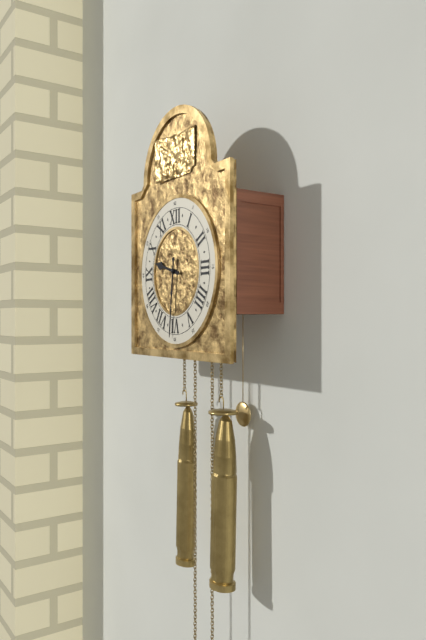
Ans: 9:31
